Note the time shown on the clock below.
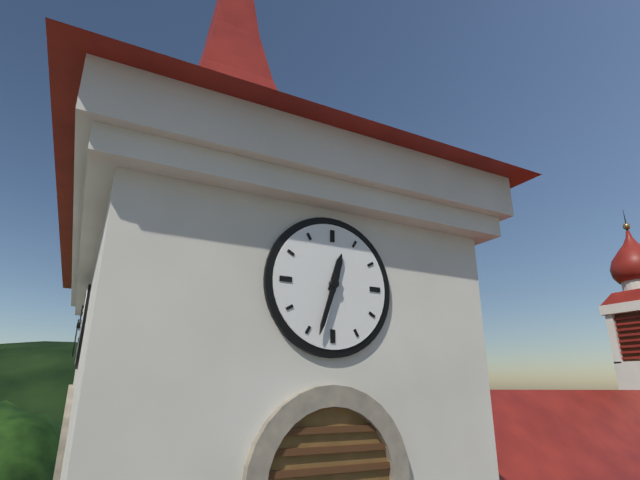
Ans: 12:33
